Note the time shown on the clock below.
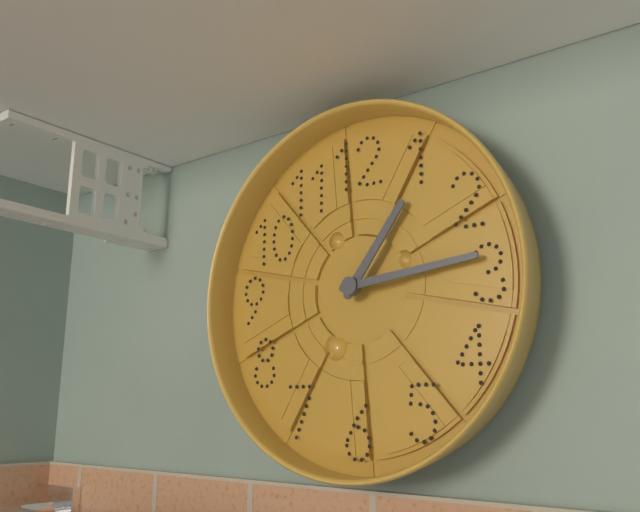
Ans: 1:14
